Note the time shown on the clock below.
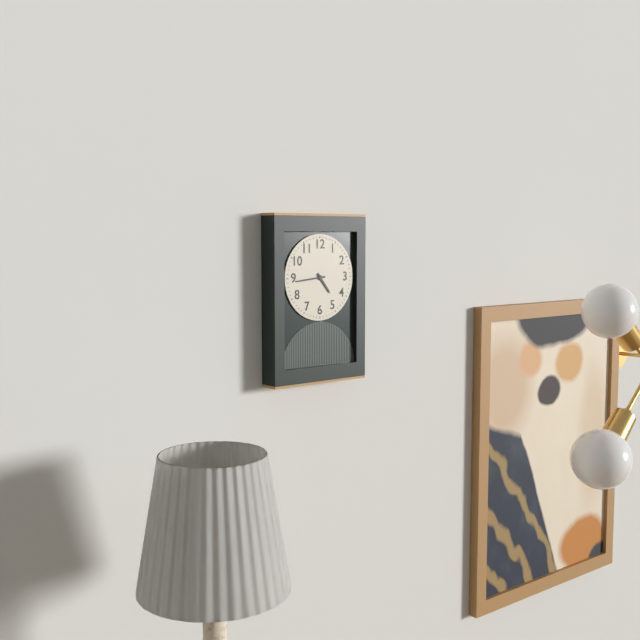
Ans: 4:44
